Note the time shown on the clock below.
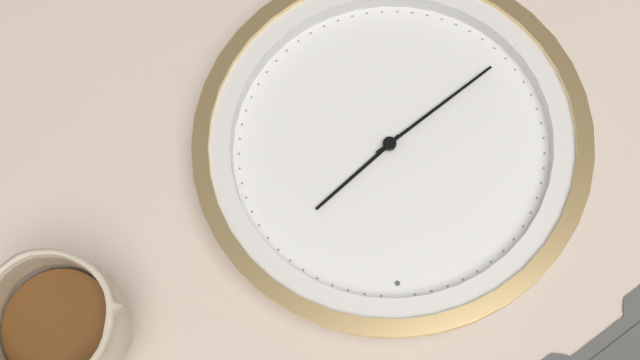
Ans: 1:39
